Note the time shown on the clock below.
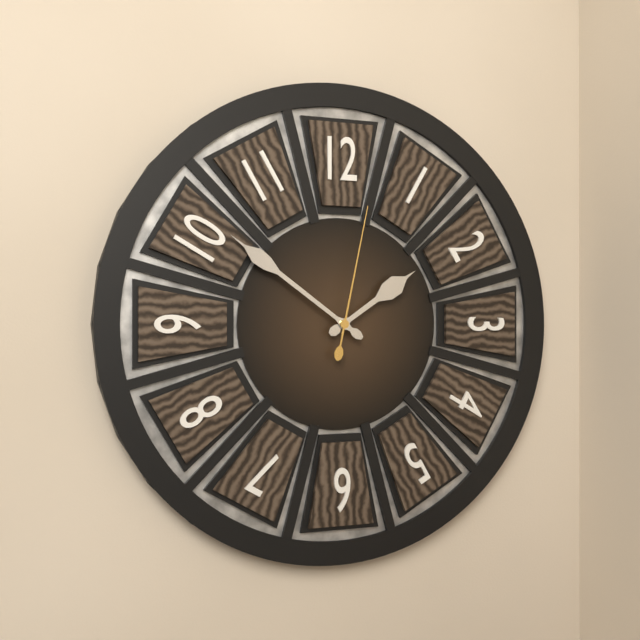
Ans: 1:51:02
